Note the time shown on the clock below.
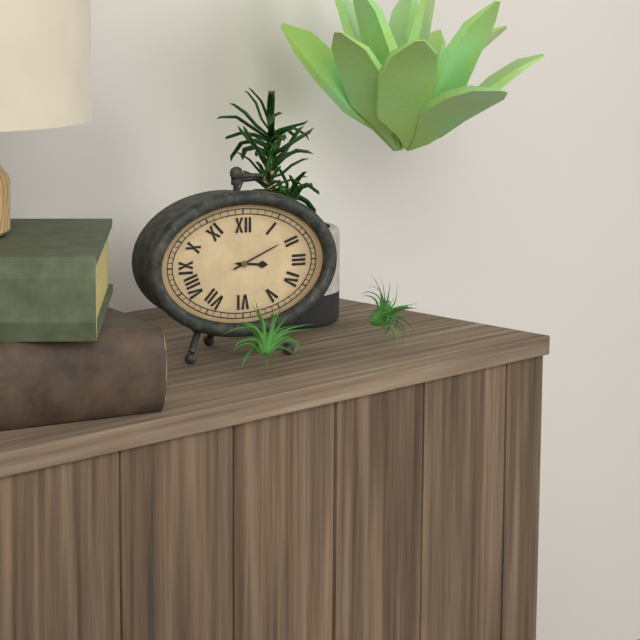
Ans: 3:11
